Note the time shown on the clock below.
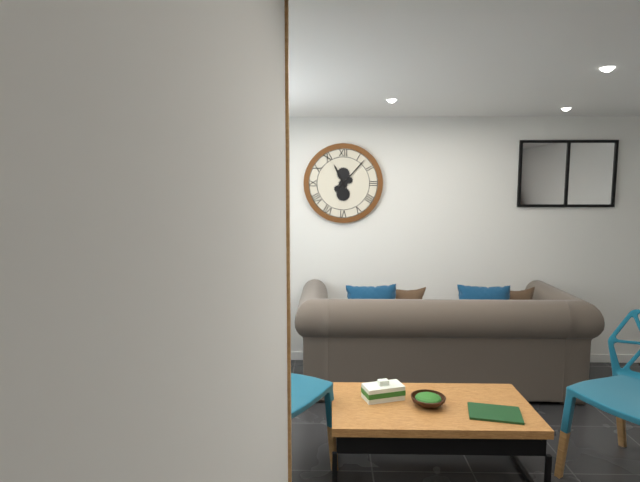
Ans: 11:07
